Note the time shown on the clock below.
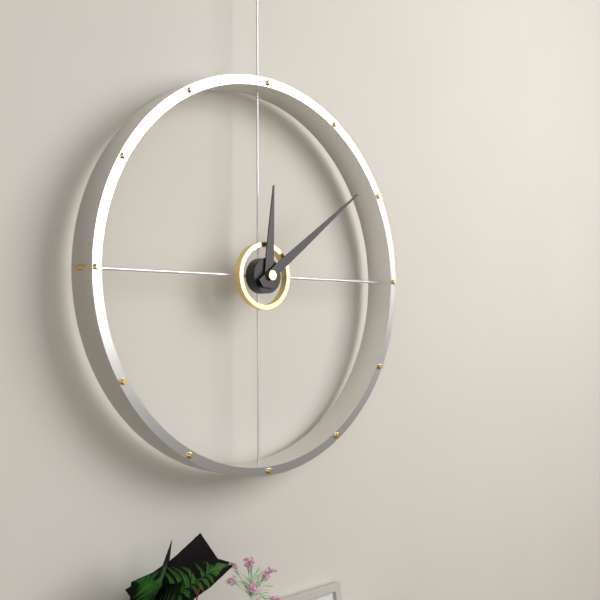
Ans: 12:09
